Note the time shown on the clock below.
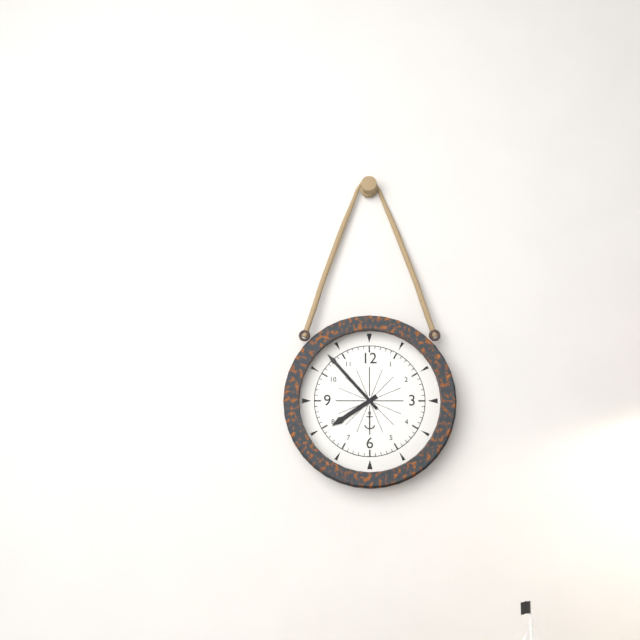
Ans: 7:53
